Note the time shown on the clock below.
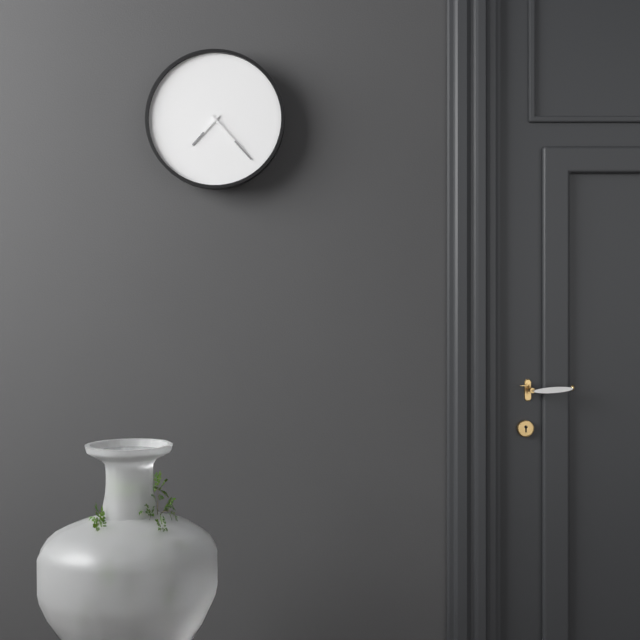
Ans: 7:23
